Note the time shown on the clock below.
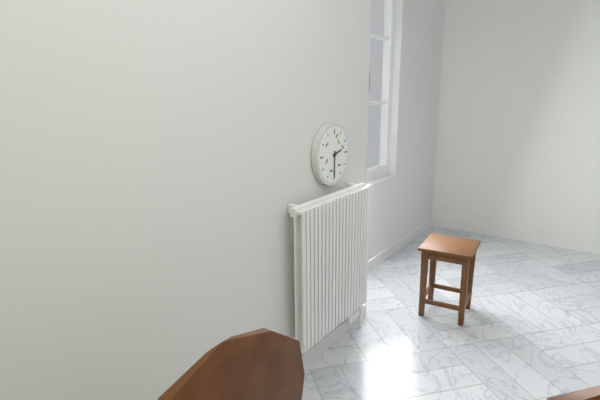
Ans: 2:30
